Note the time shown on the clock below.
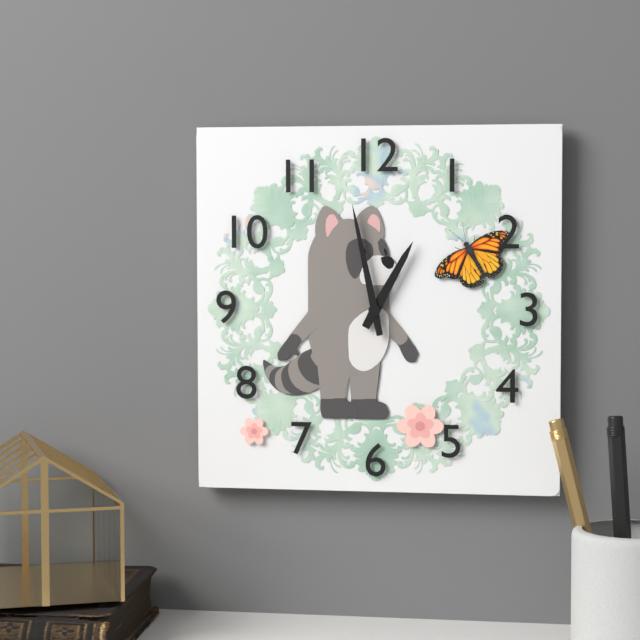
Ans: 12:58
